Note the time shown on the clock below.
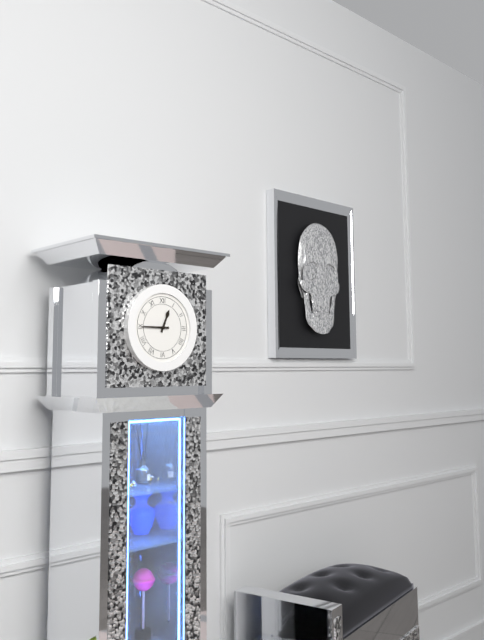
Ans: 12:45
